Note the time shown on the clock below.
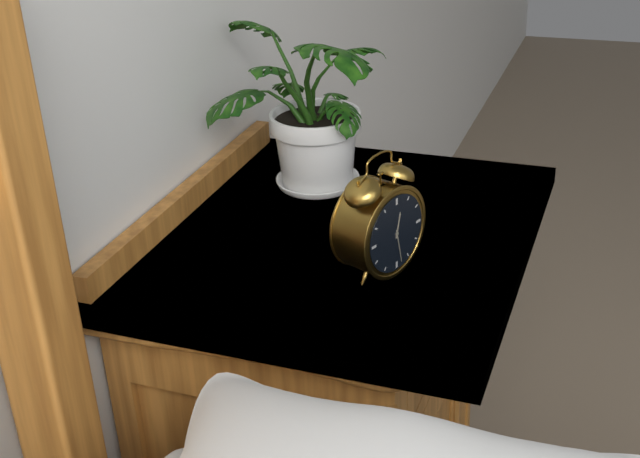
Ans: 12:28
